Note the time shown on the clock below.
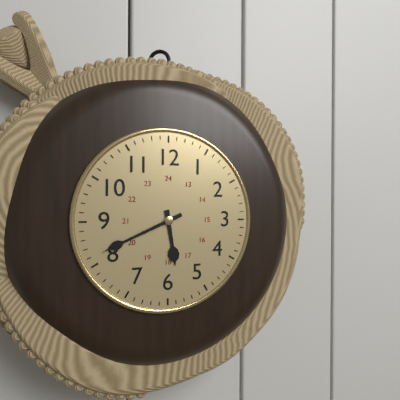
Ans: 5:41
